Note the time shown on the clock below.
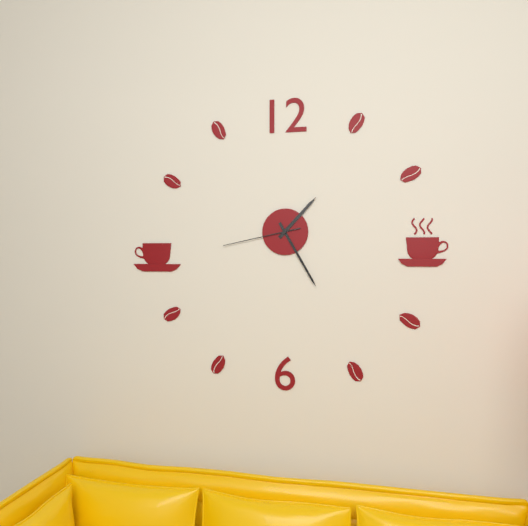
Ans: 1:25:43
